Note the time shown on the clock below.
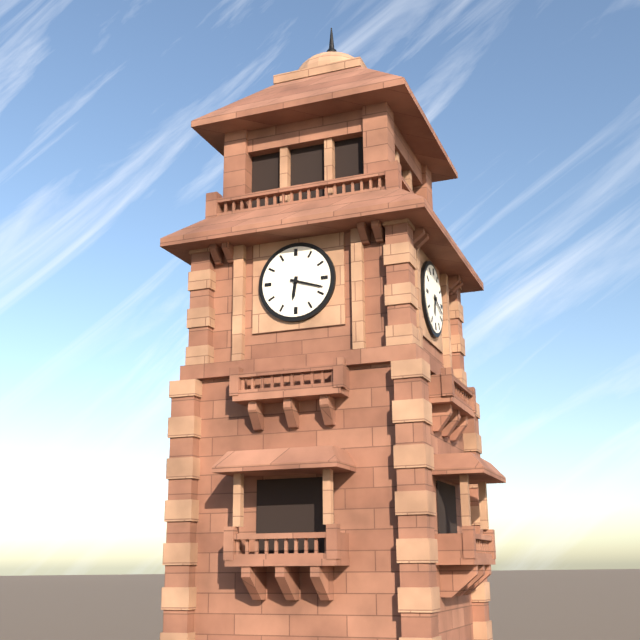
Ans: 6:18
